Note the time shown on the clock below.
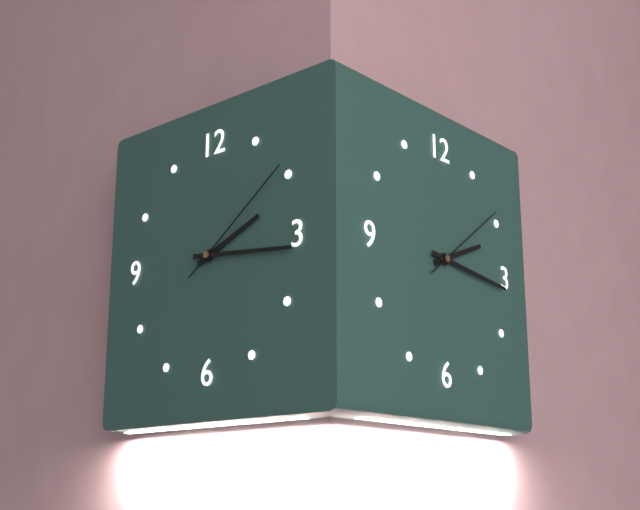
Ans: 2:16:09
